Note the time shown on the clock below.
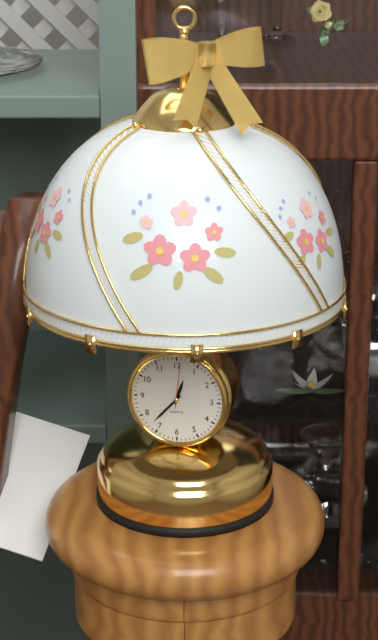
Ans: 12:37
